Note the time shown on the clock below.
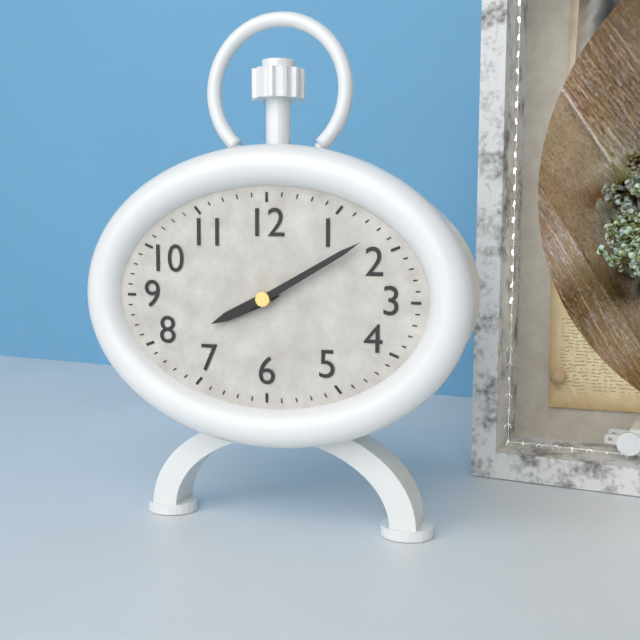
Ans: 8:10
